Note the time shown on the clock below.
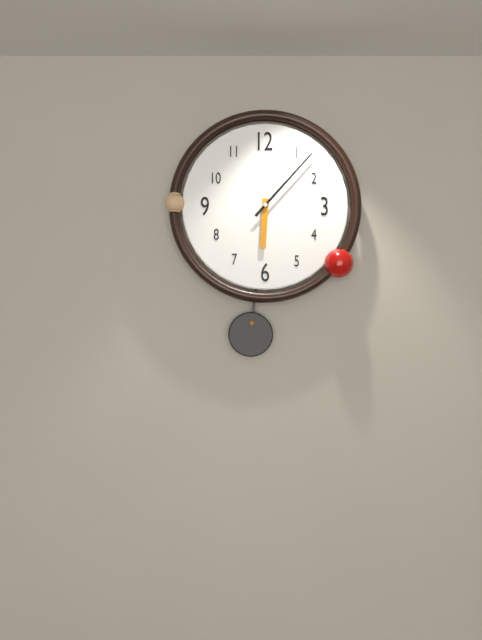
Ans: 6:07
